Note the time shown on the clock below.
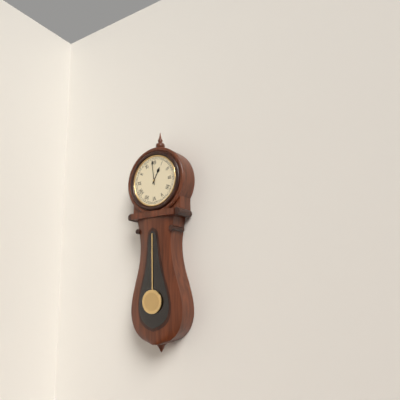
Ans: 12:59
